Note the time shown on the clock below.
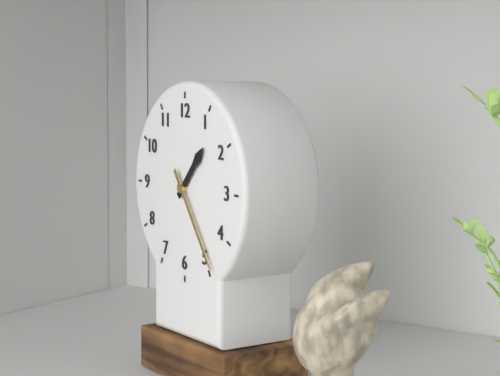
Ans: 1:24
